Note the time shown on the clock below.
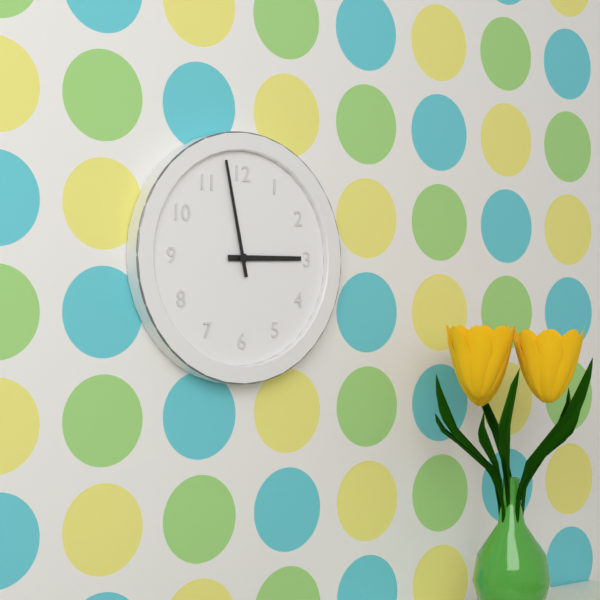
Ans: 2:58
